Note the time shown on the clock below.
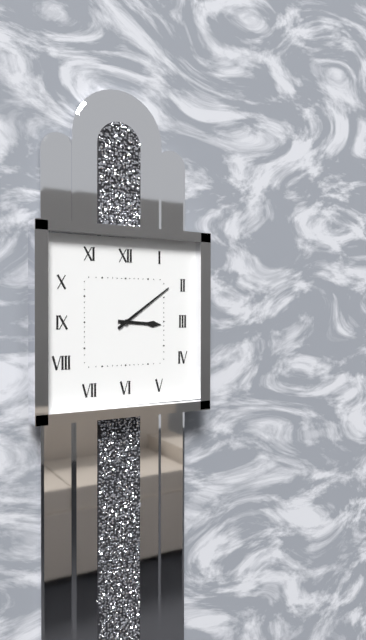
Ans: 3:09
